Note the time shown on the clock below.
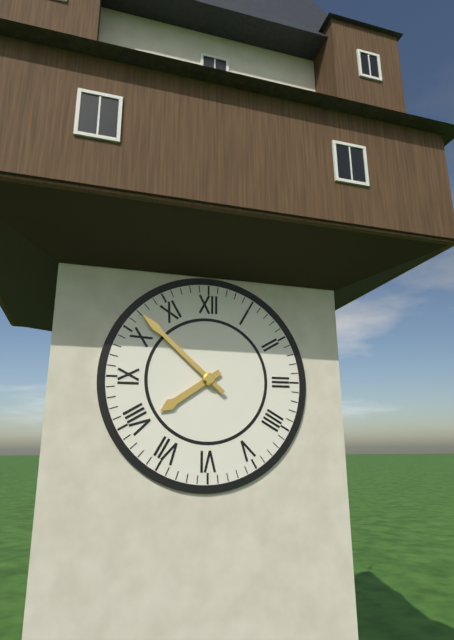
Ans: 7:52
